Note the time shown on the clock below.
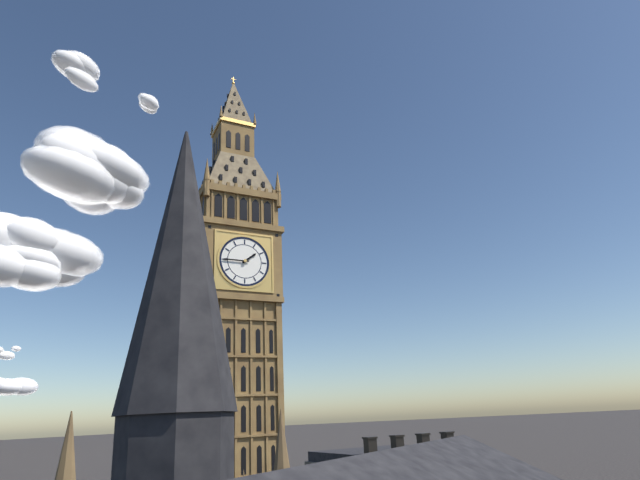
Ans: 1:45
